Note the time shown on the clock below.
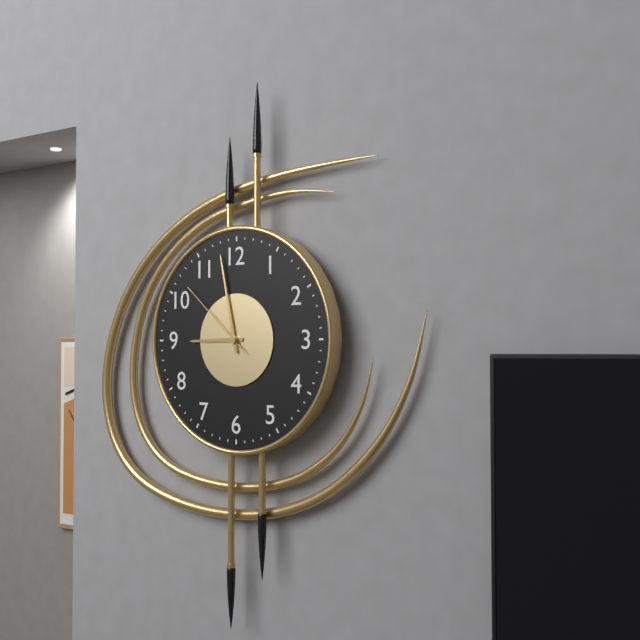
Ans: 8:58:52
